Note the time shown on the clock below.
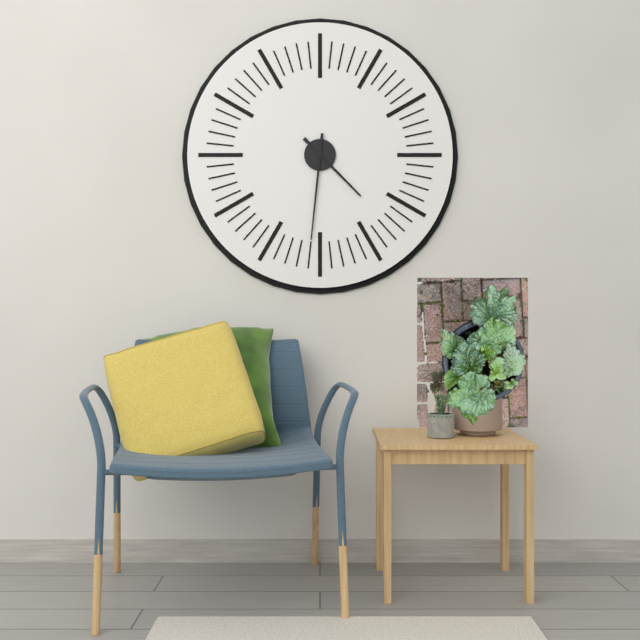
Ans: 4:31
